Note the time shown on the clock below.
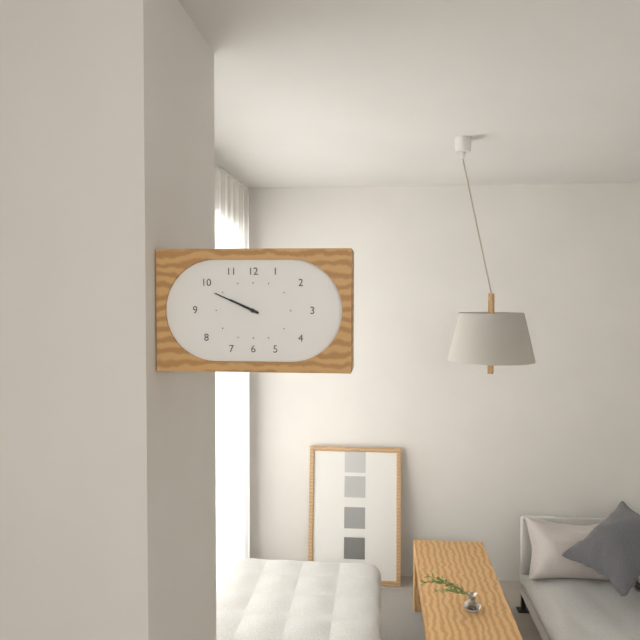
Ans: 9:49
